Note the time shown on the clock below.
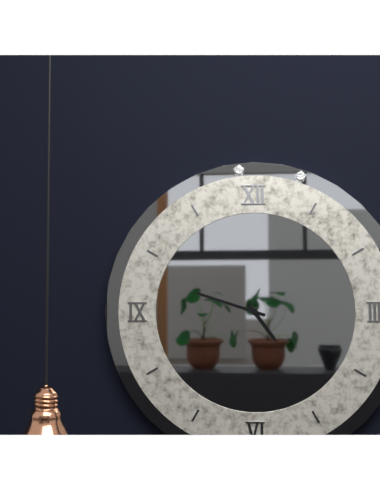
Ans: 4:48
